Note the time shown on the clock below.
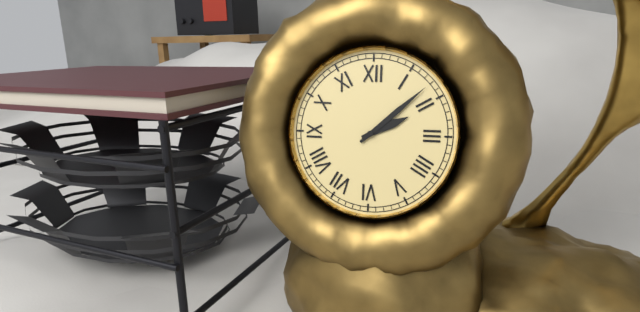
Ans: 2:08
